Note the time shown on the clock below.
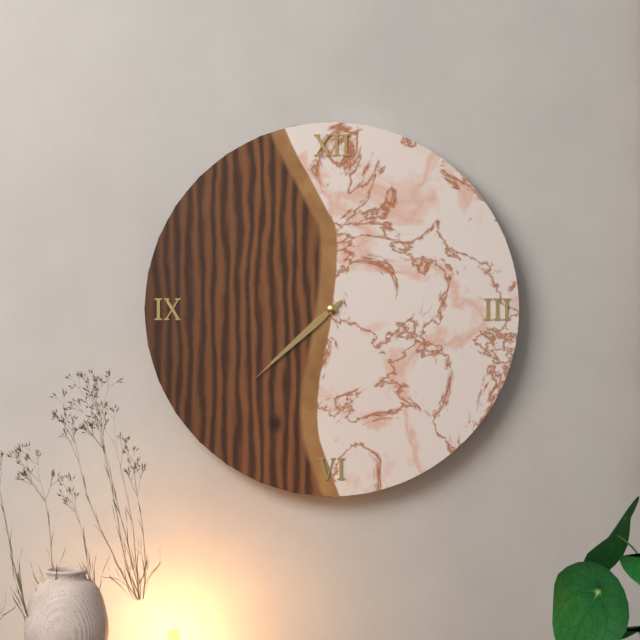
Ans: 7:38
